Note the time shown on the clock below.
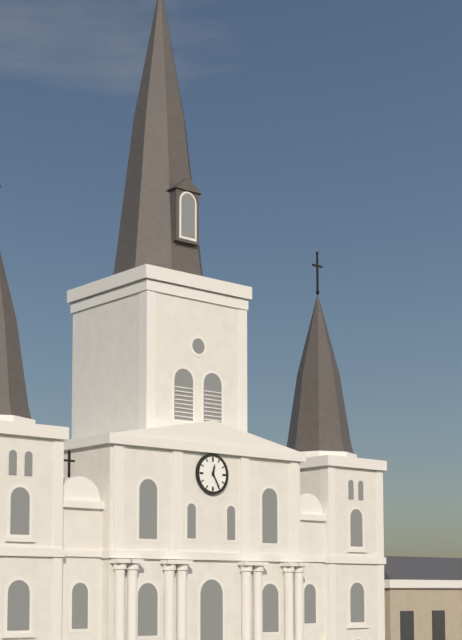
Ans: 12:25
